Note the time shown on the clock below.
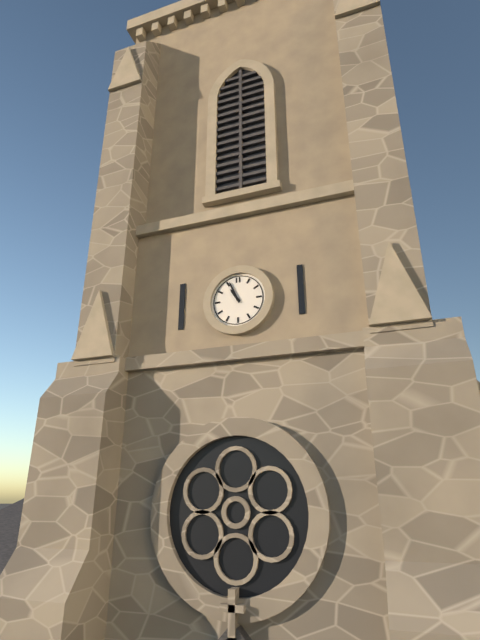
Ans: 10:56
